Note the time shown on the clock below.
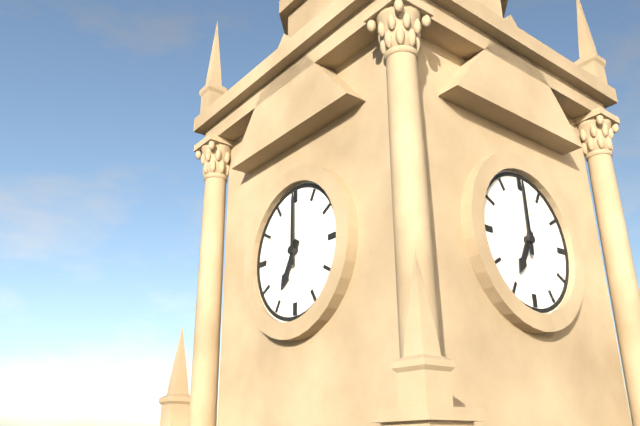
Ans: 7:00
